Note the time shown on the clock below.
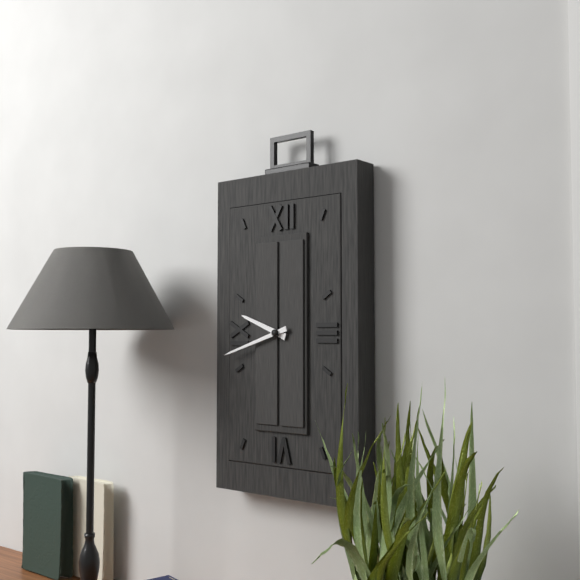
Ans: 9:42
